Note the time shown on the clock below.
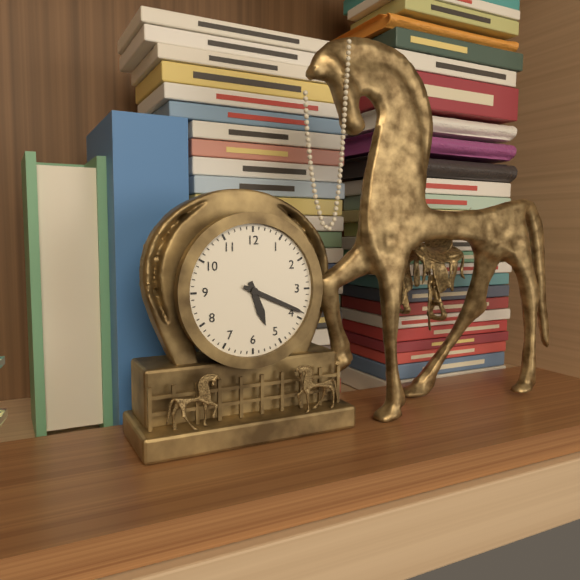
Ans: 5:19
